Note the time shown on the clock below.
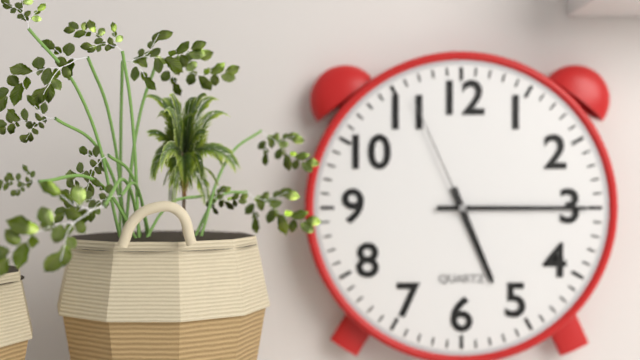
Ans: 5:15:56
